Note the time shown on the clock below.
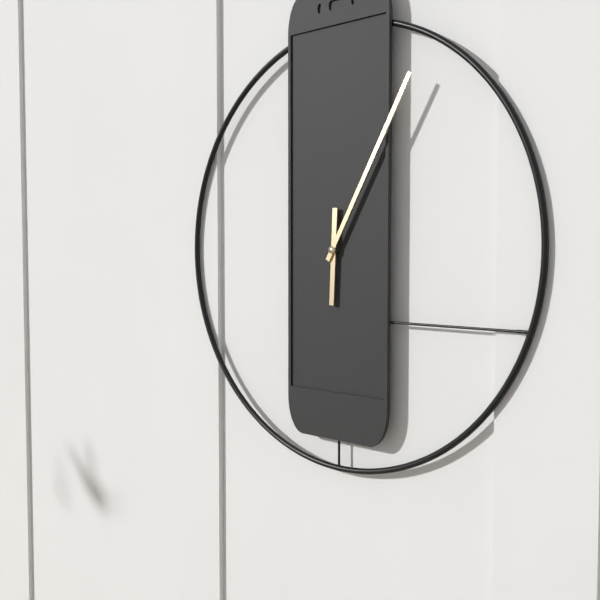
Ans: 6:05
